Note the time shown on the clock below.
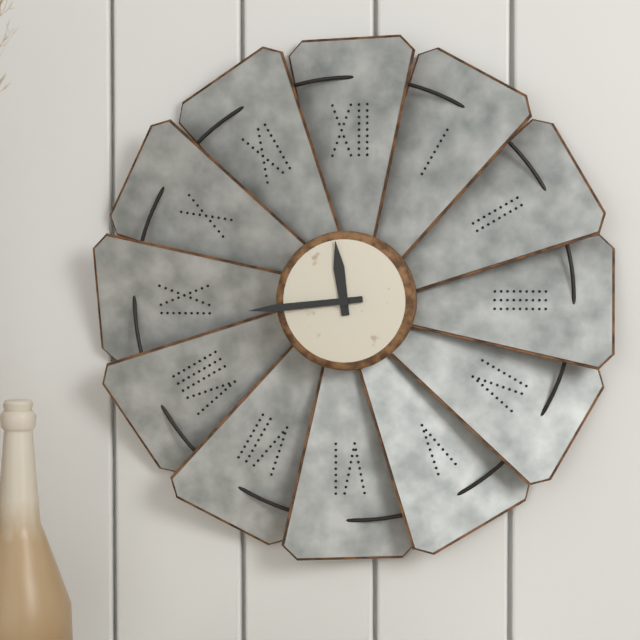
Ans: 11:44
